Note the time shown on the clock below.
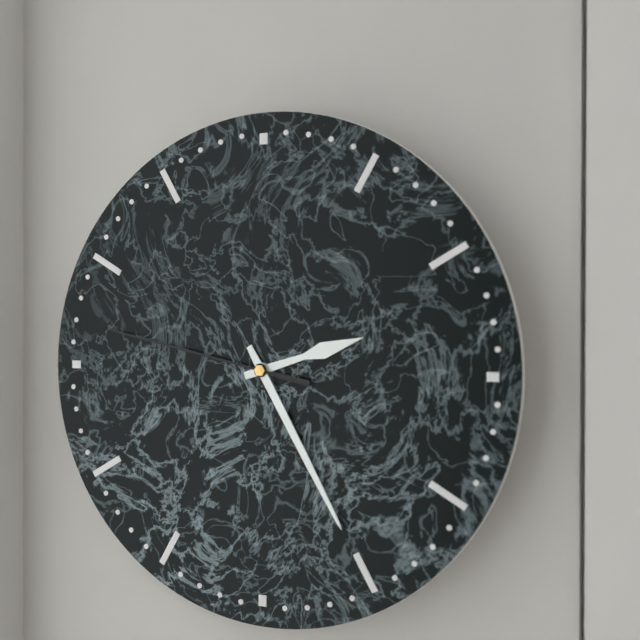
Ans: 2:25:47
